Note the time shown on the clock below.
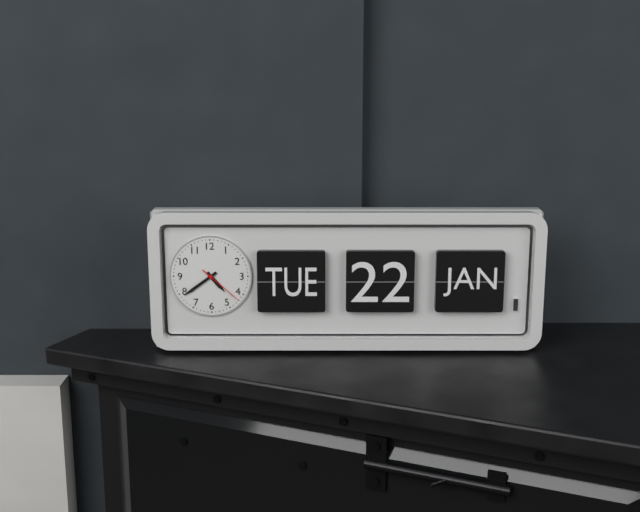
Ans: 4:39
